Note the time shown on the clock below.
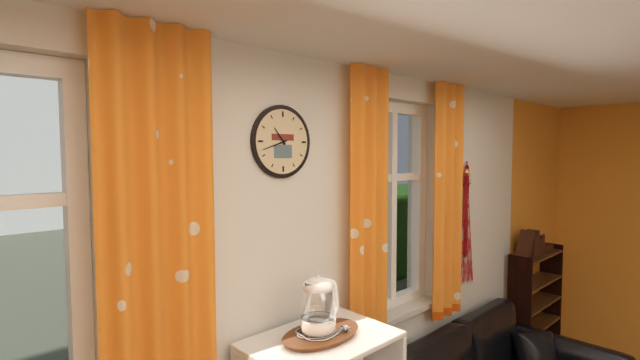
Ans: 10:42
